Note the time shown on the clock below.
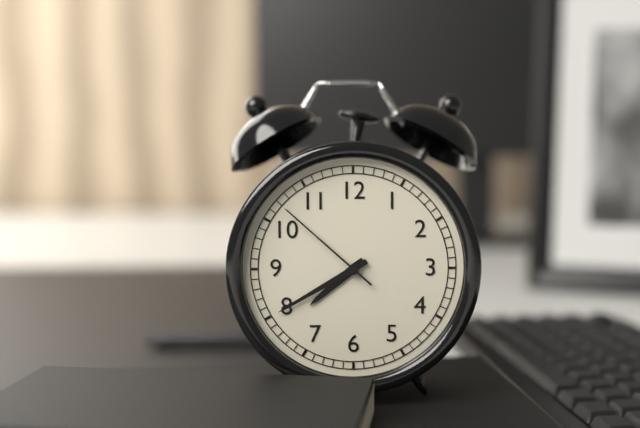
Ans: 7:40:52
